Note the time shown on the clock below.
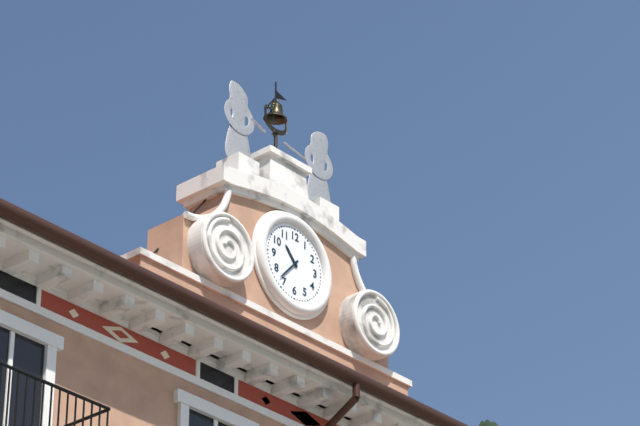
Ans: 10:37
